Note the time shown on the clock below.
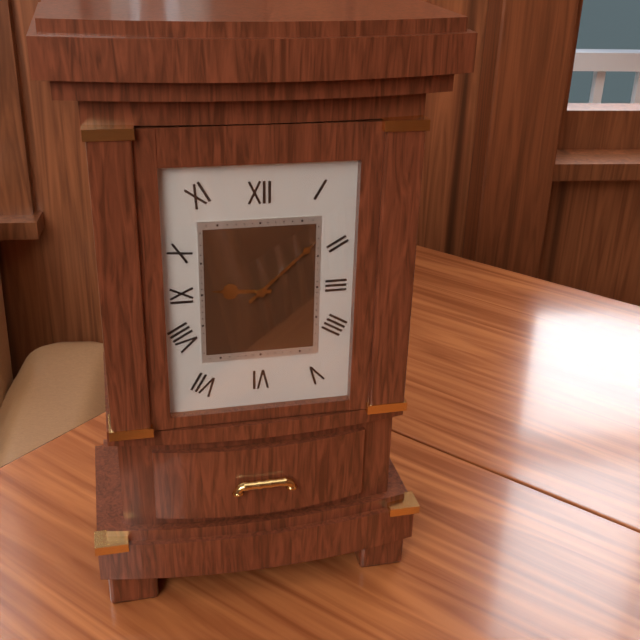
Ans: 9:08
